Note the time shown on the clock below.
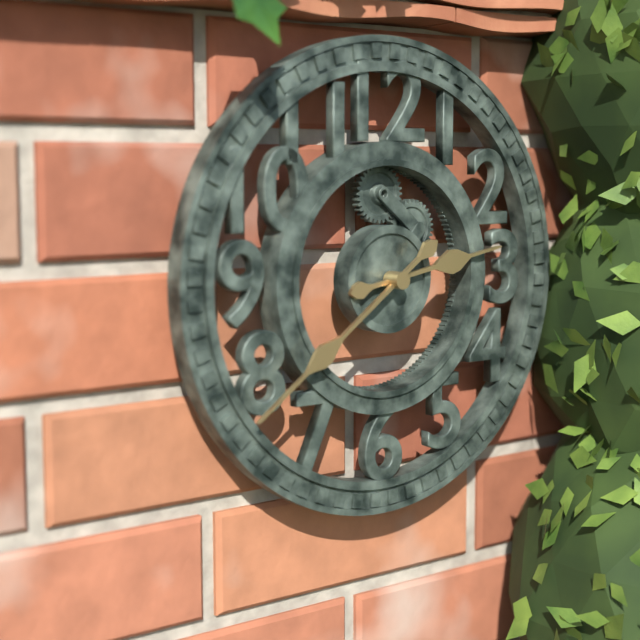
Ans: 2:39
